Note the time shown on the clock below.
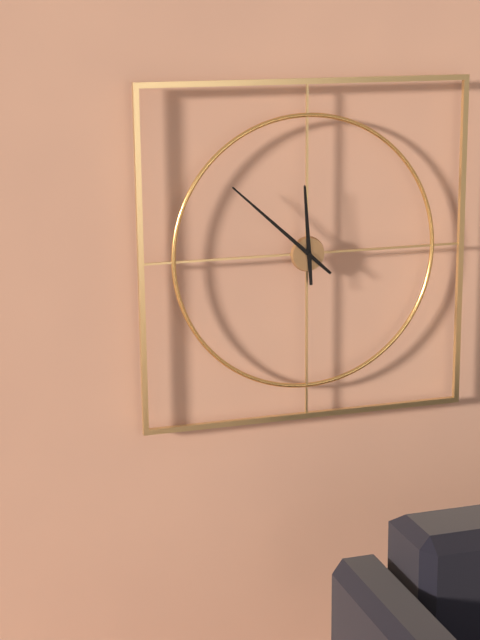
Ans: 11:52
